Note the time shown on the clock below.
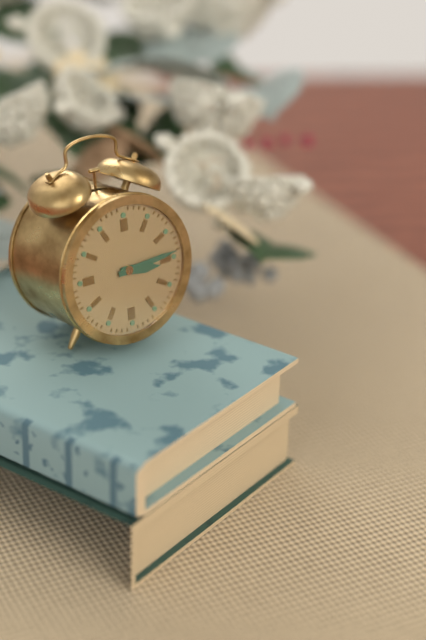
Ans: 3:14
